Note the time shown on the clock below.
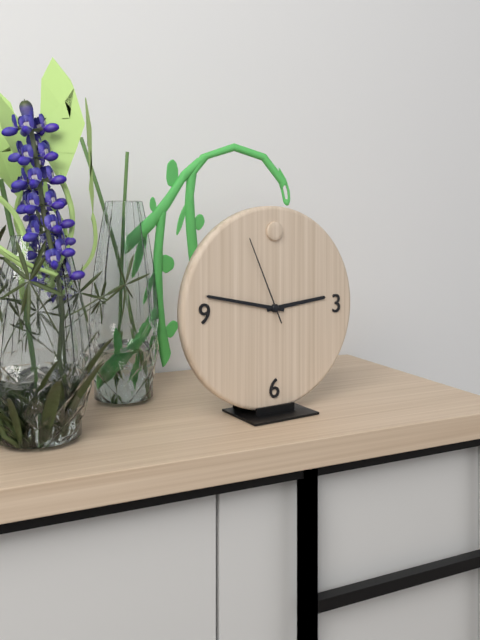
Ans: 2:47:56
